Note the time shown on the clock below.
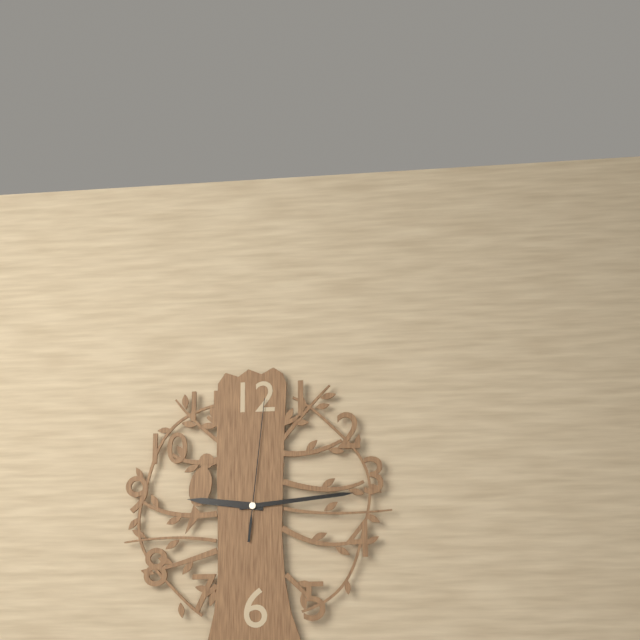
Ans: 9:14:01
